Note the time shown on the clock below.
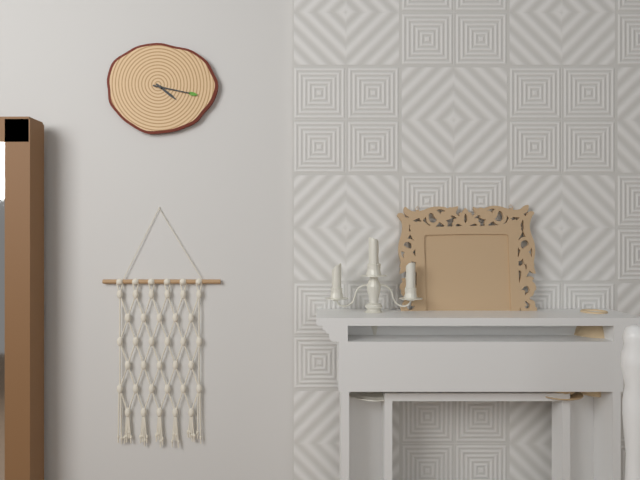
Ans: 4:17
